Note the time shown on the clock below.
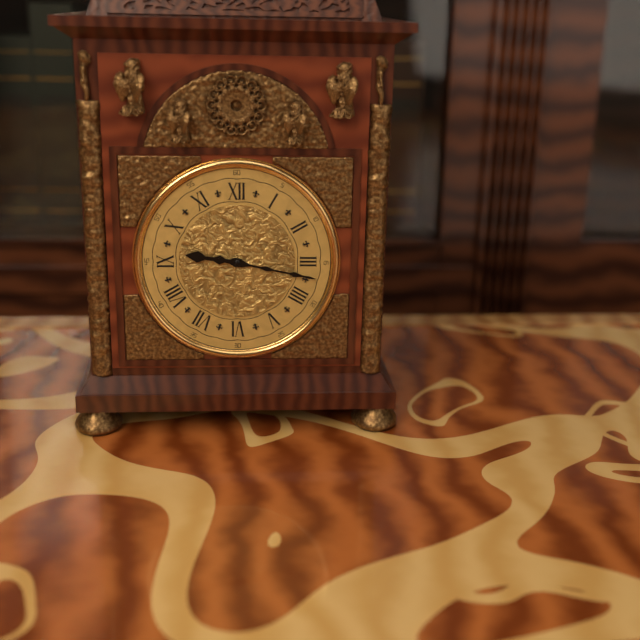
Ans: 9:17
